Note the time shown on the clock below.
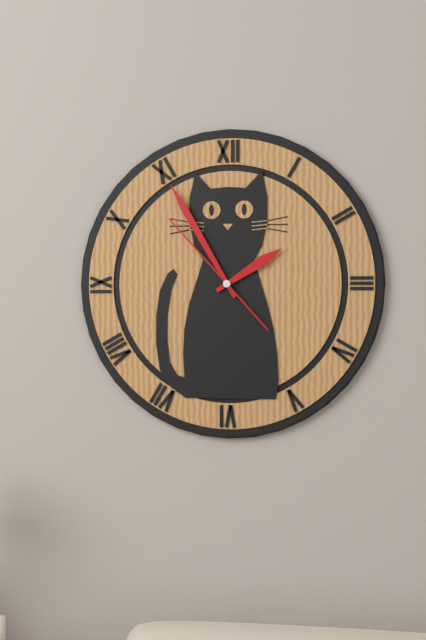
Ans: 1:55:53
